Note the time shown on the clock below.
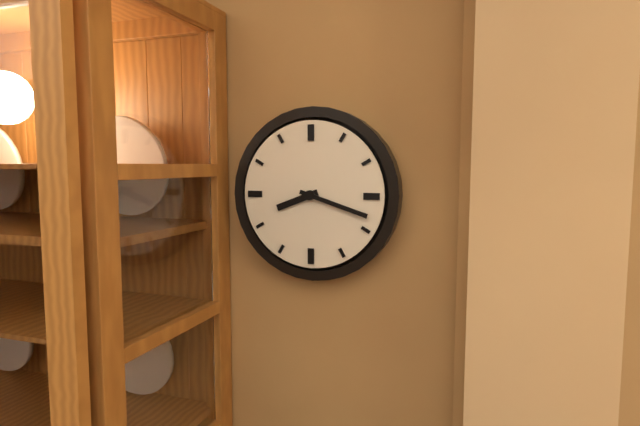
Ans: 8:18
